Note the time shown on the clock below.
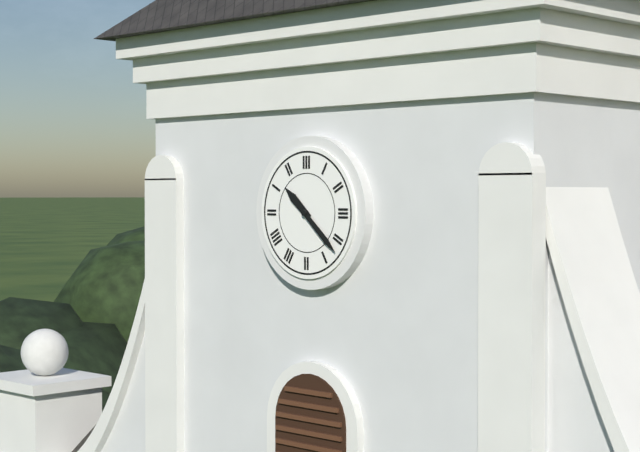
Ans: 10:22
